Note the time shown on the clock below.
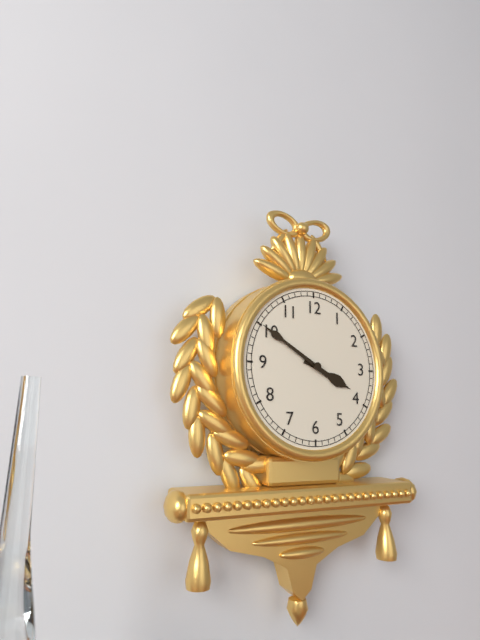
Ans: 3:50
